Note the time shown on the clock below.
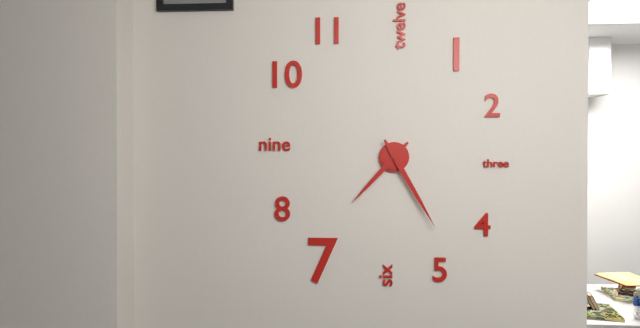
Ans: 7:25
